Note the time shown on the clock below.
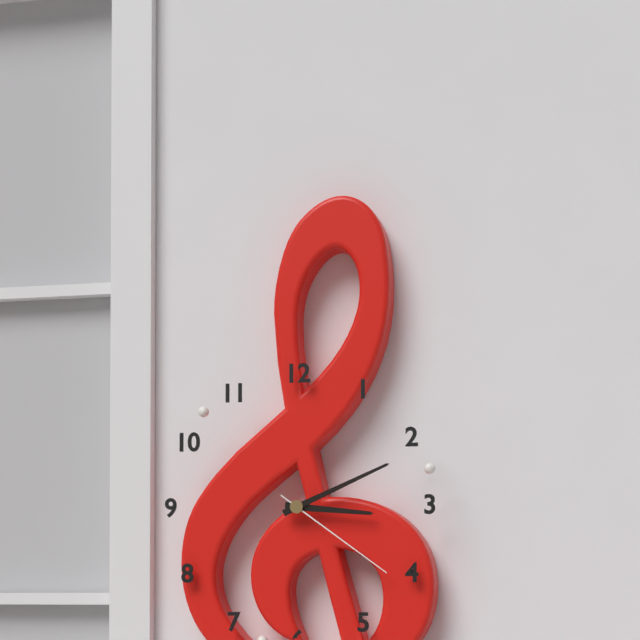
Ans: 3:11:21
